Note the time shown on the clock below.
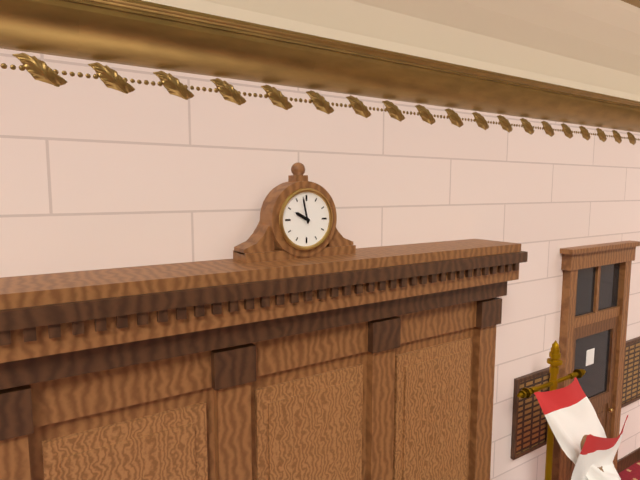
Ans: 9:58
